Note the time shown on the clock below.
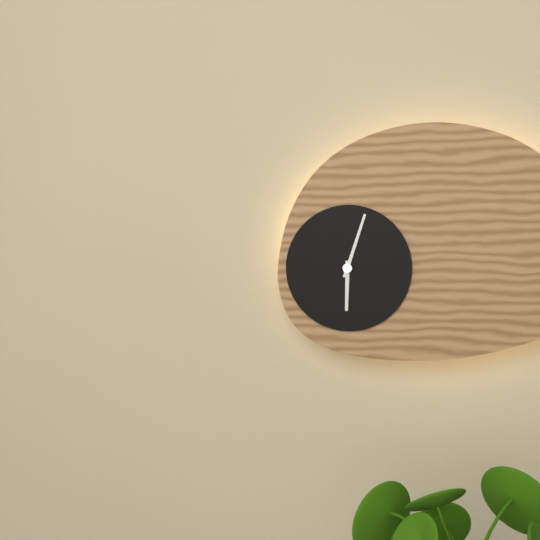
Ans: 6:03
